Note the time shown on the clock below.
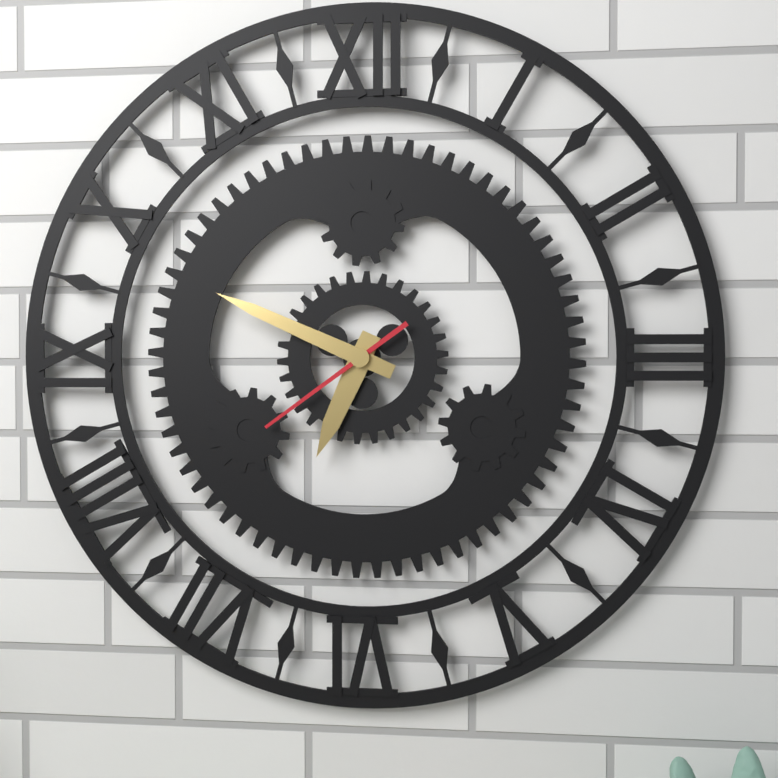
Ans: 6:49:39
